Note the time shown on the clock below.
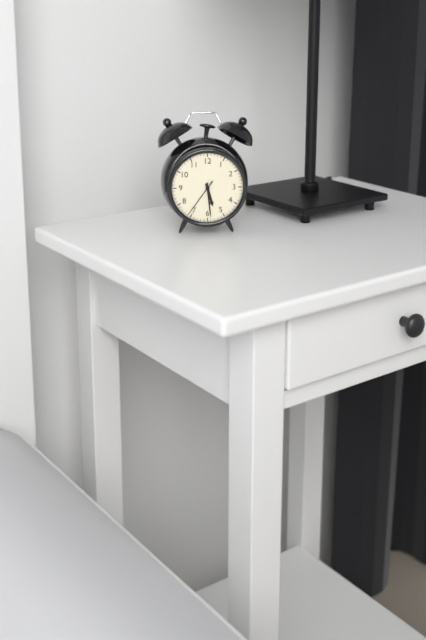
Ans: 5:29
